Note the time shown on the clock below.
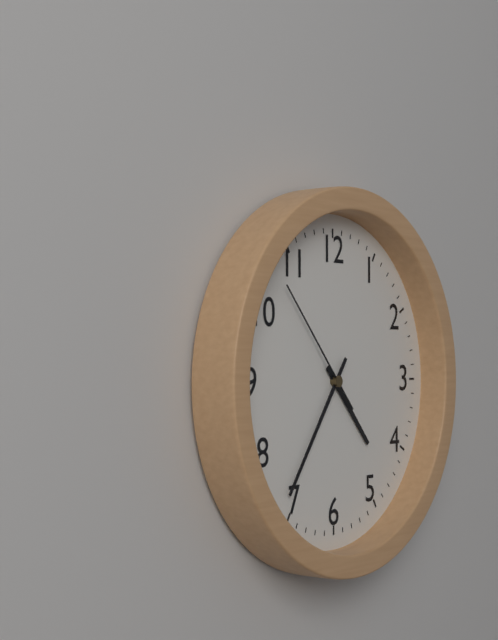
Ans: 4:36:53
